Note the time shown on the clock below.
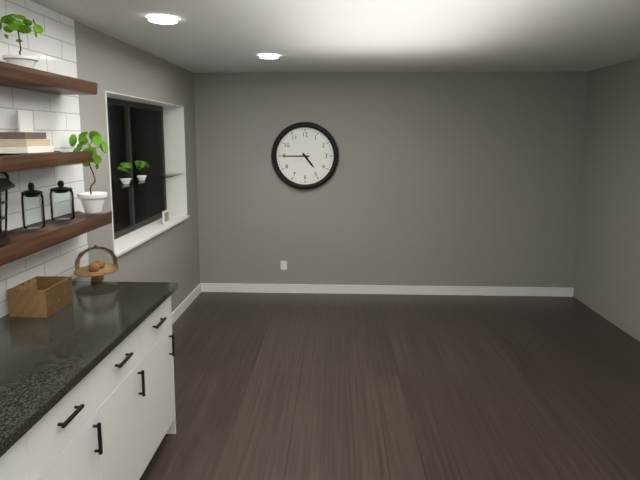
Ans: 4:45
